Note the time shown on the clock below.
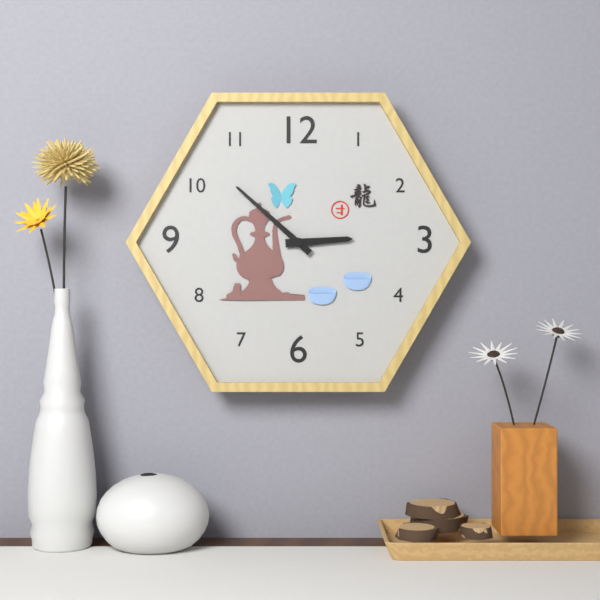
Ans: 2:52
